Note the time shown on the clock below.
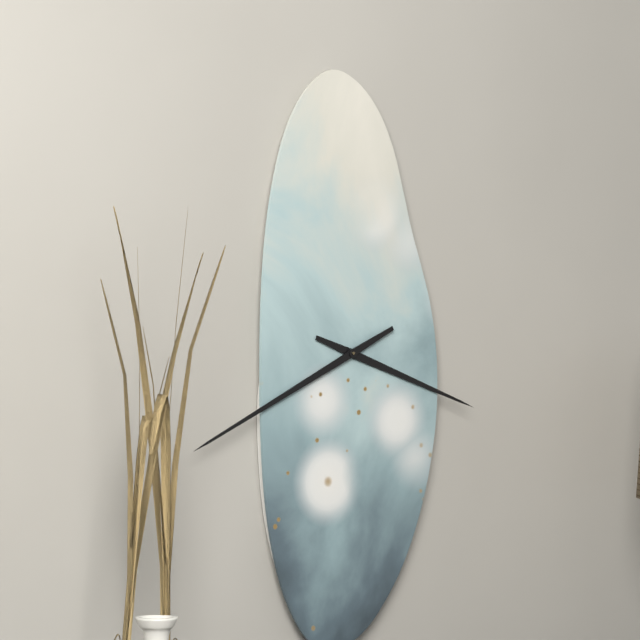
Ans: 3:41
